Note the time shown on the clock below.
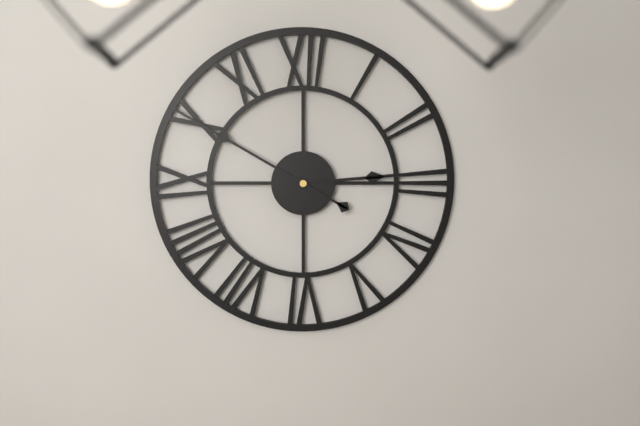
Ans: 2:50
